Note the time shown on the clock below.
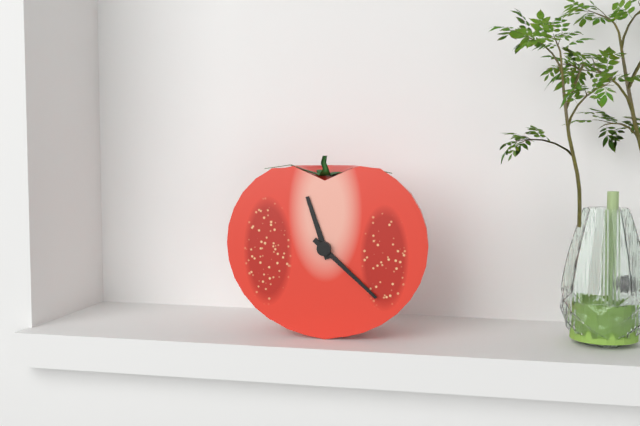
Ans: 11:22
